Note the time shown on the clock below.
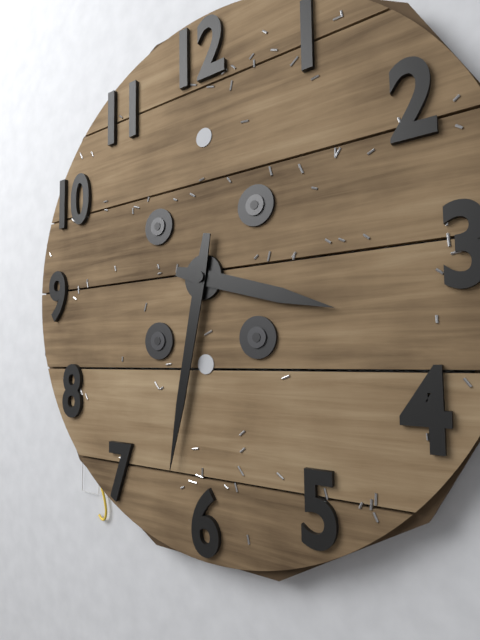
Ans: 3:32
